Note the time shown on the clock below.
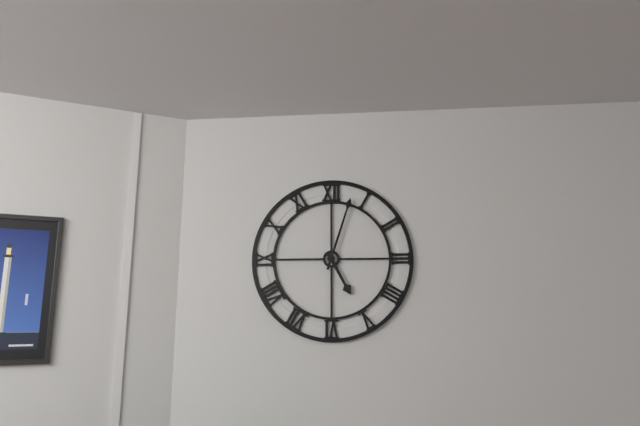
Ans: 5:03
